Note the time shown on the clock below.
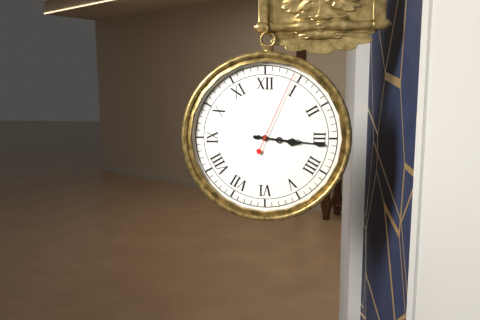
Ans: 3:16:04
